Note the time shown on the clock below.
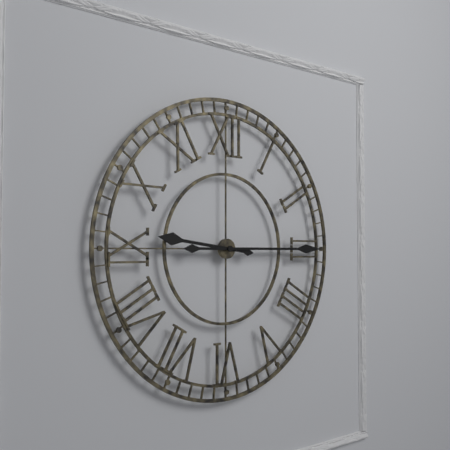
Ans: 9:15
